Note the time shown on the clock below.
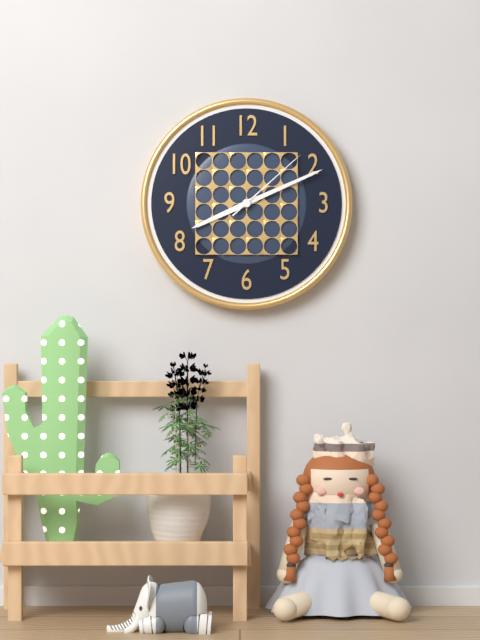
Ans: 8:11:08
